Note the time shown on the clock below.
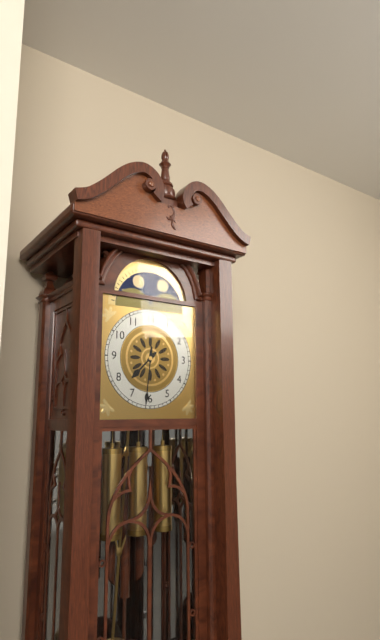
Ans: 7:31
